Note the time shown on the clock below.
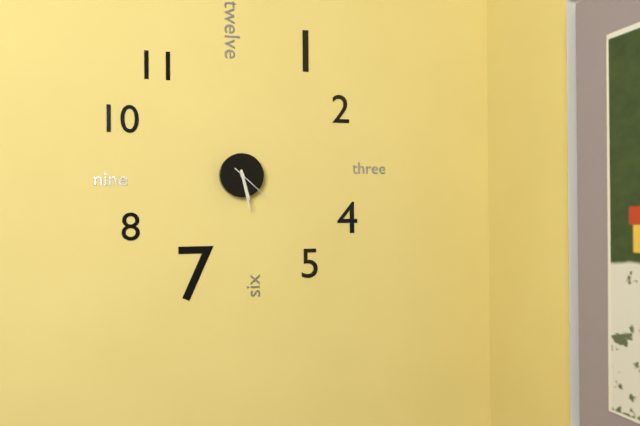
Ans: 5:28
